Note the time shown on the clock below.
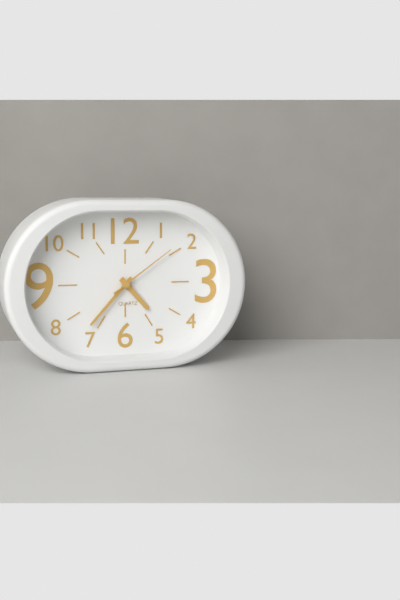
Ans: 4:37:09
